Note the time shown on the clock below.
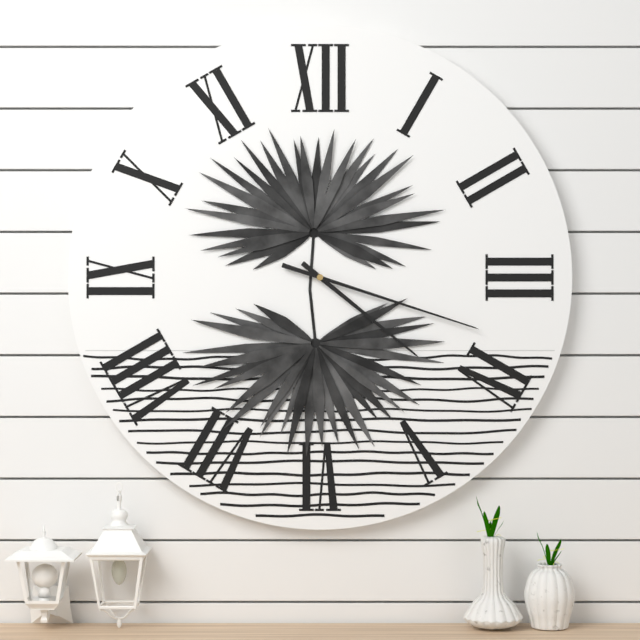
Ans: 4:18
